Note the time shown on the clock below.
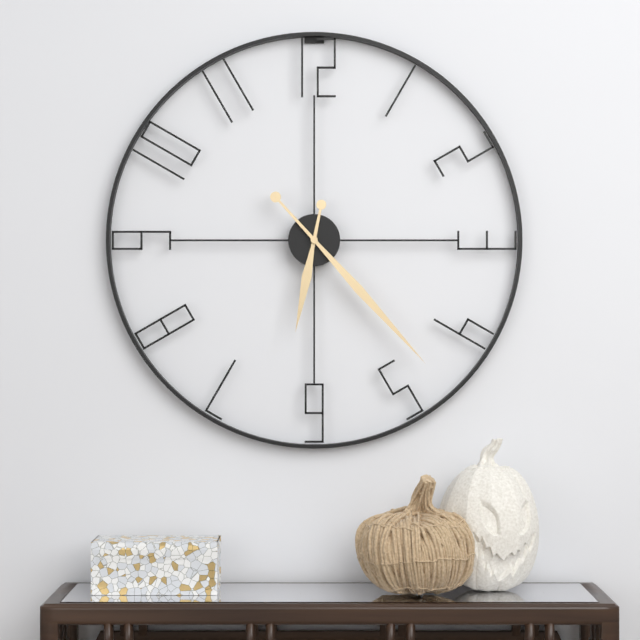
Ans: 6:23
